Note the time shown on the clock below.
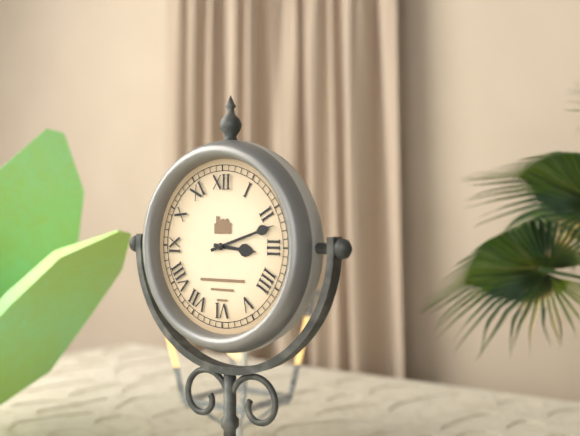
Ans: 3:12
